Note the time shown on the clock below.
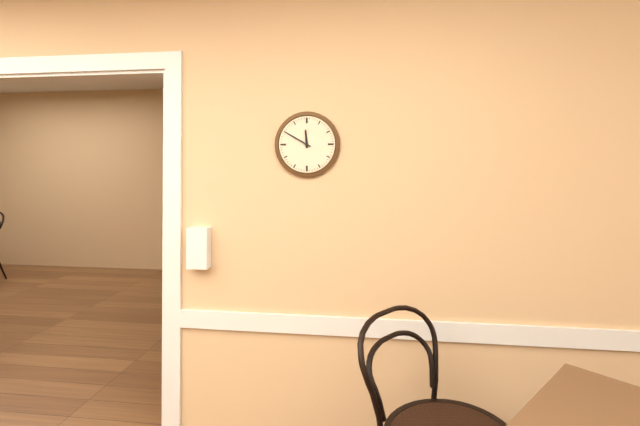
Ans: 11:50
